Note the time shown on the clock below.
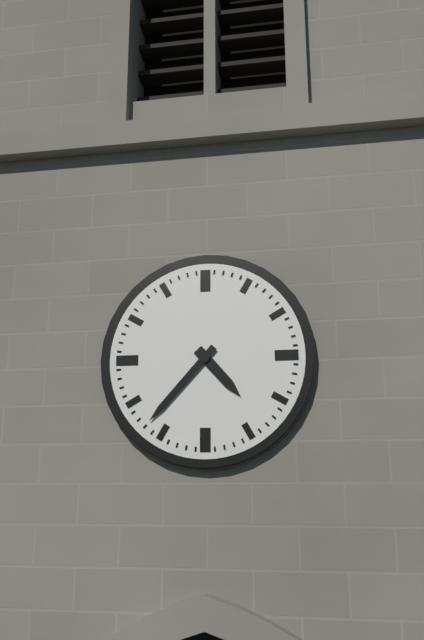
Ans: 4:37
